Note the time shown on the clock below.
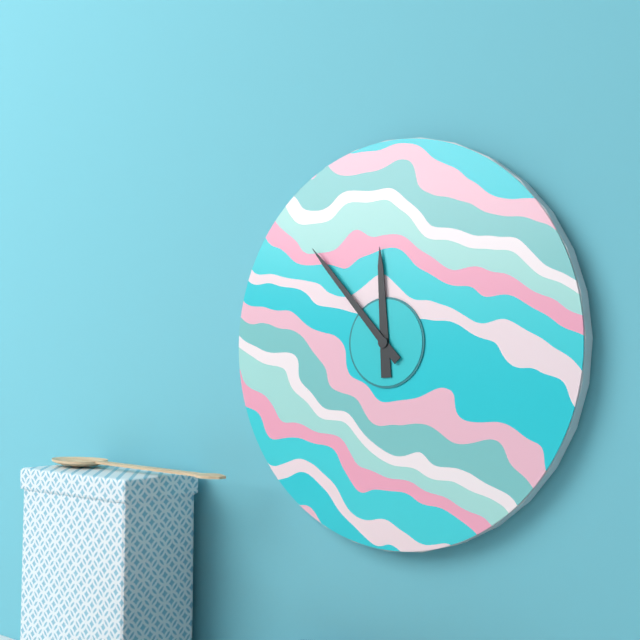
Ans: 11:53
